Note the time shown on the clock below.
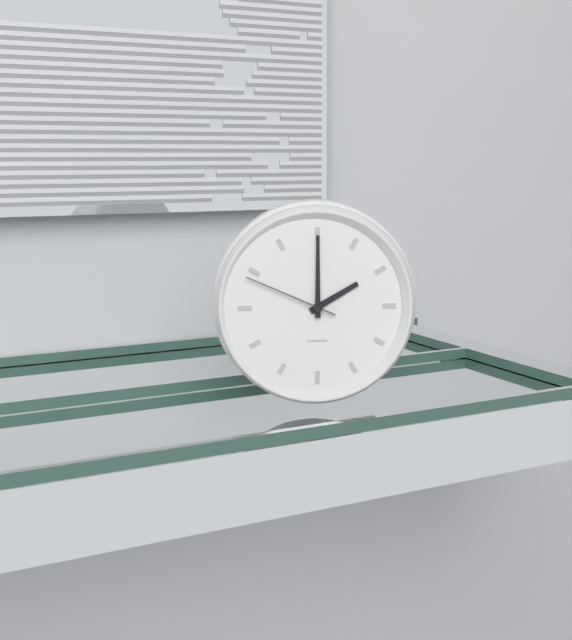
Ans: 2:00:49
